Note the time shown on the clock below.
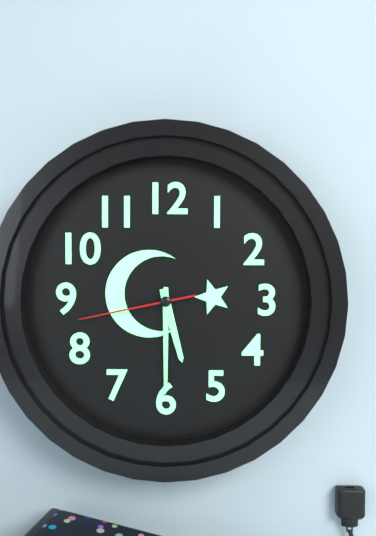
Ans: 5:30:43
